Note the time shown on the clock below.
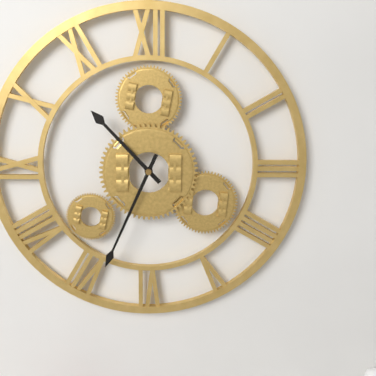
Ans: 10:34
